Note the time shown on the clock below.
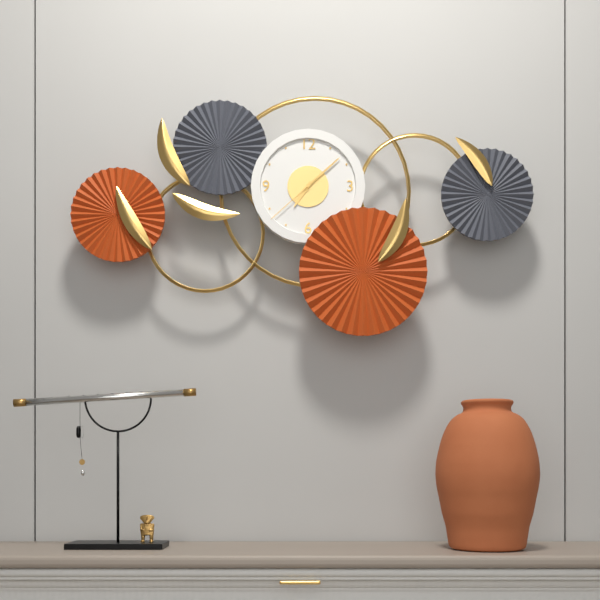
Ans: 7:08:38
